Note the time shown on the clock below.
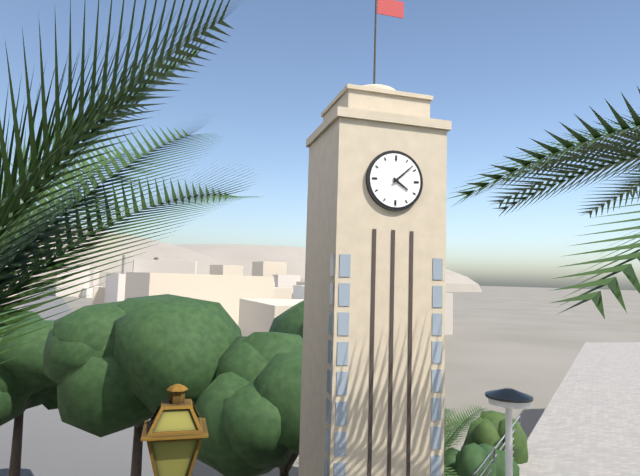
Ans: 4:08
